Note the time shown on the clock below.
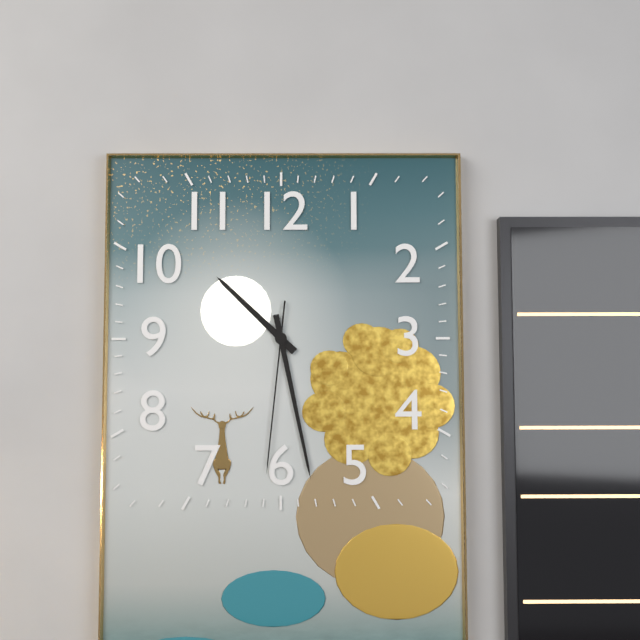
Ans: 10:28:31
